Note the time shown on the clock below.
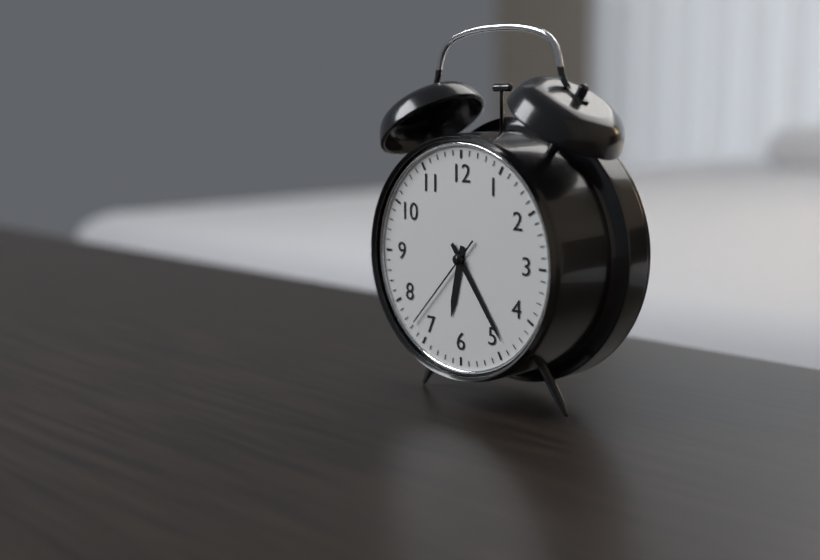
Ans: 6:24:37
